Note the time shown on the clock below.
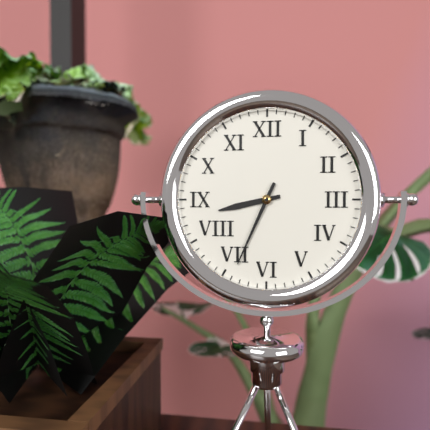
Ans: 8:34
